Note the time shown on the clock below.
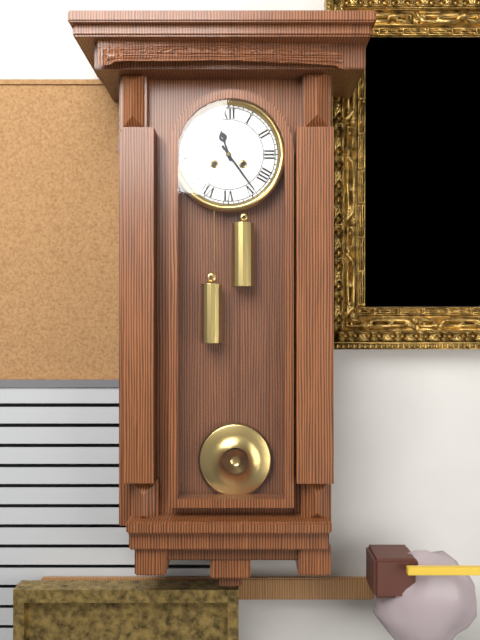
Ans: 11:24
